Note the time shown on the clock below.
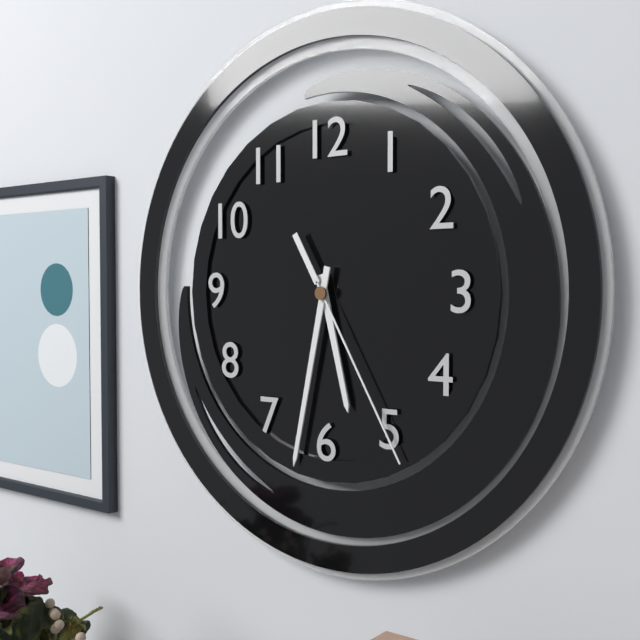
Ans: 5:32:25
